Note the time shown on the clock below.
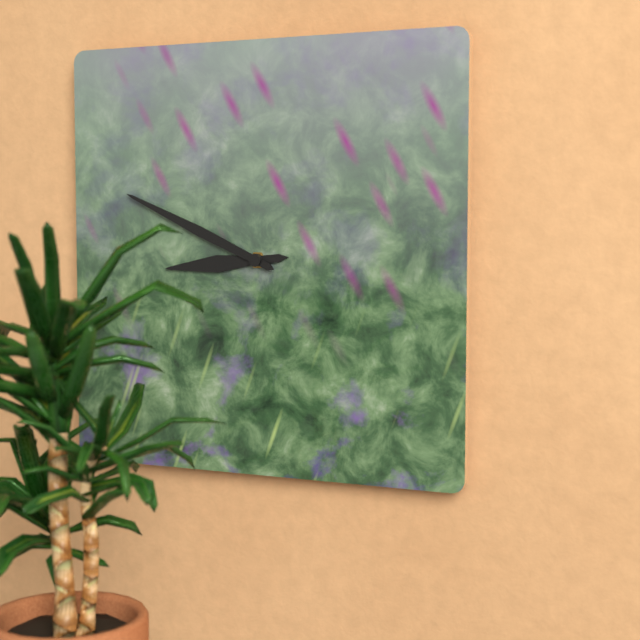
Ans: 8:49
